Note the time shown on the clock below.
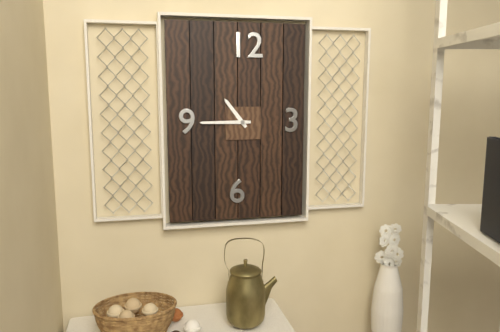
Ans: 10:45
